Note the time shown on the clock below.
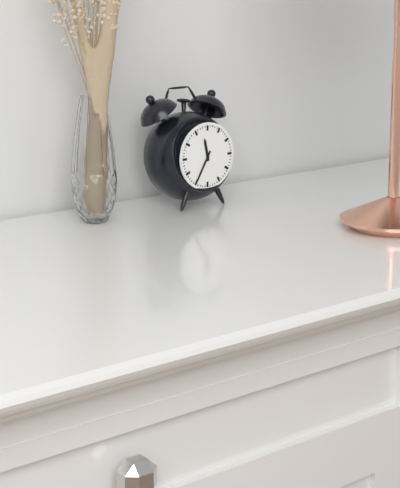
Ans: 11:35
